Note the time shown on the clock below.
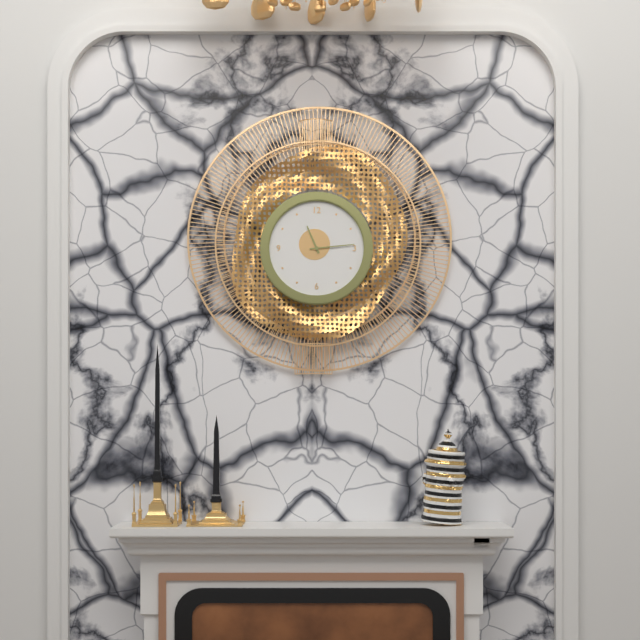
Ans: 11:14
